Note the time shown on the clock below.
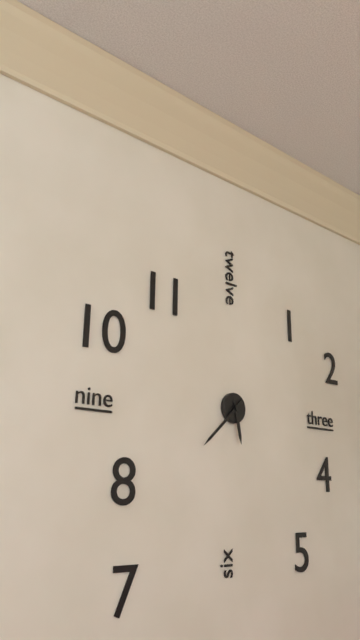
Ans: 5:38
